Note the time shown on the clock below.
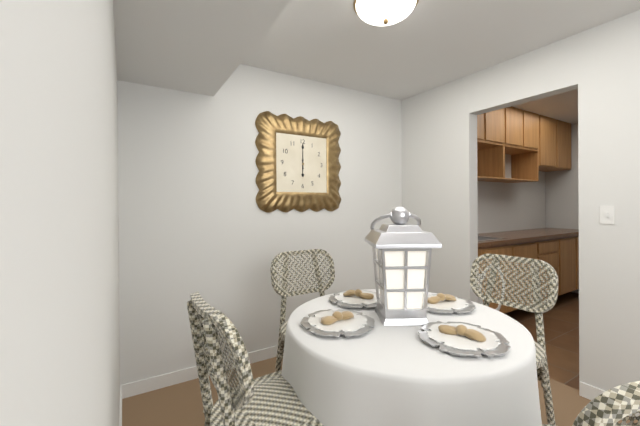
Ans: 6:00
